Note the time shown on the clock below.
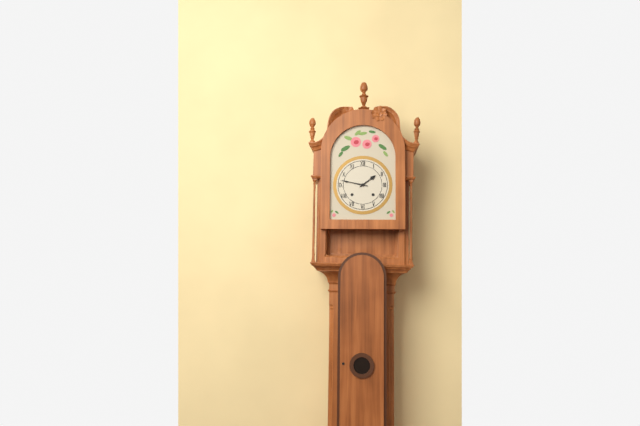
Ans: 1:47
